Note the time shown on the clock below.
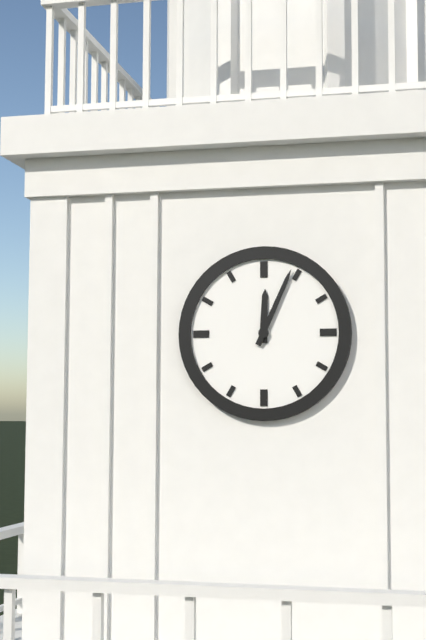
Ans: 12:04
